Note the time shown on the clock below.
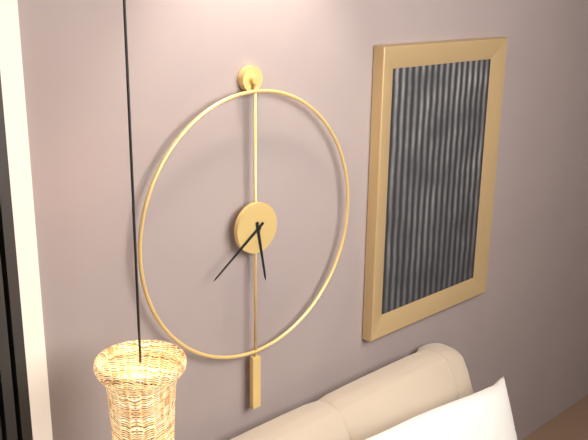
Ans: 5:39
